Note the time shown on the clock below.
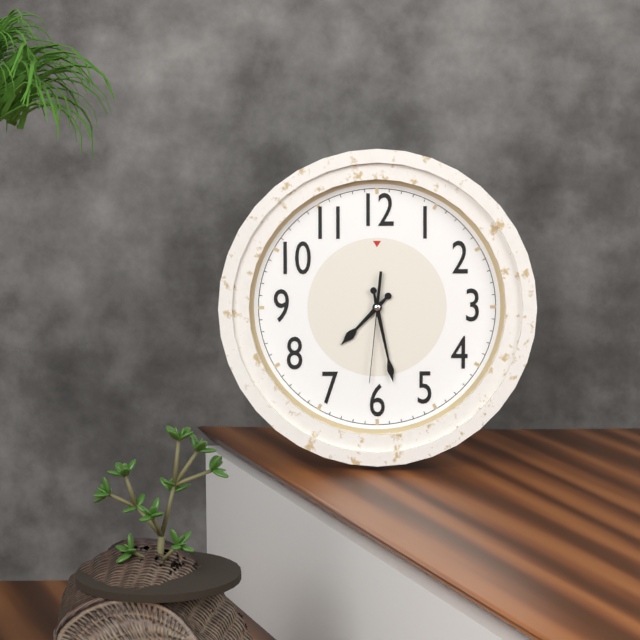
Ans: 7:28:31
